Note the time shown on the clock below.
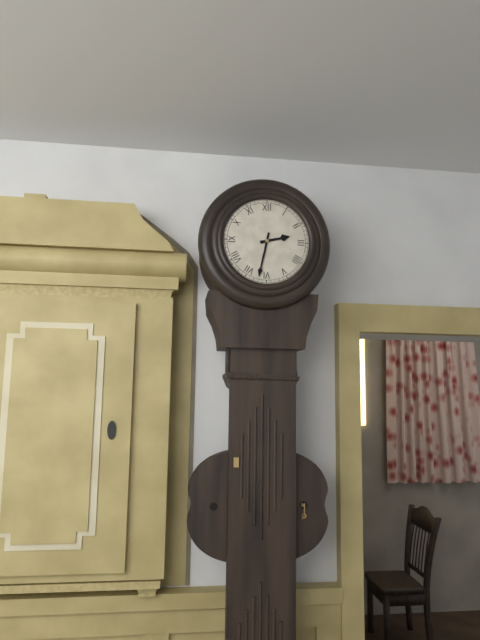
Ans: 2:32
